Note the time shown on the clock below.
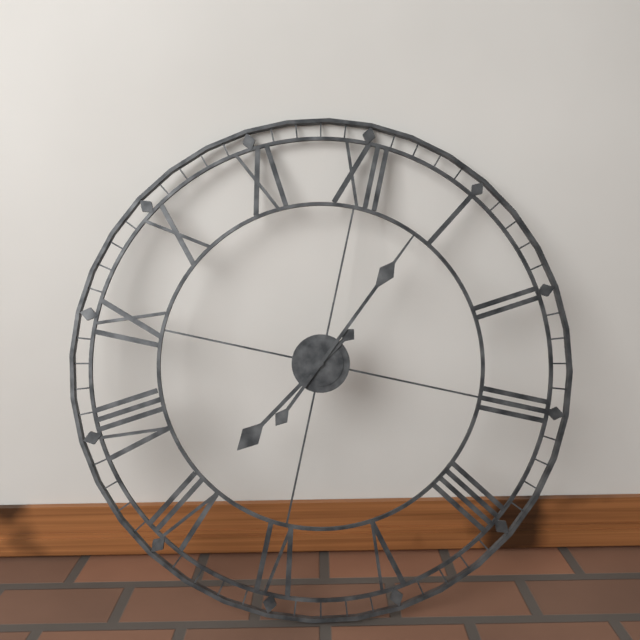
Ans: 7:04
